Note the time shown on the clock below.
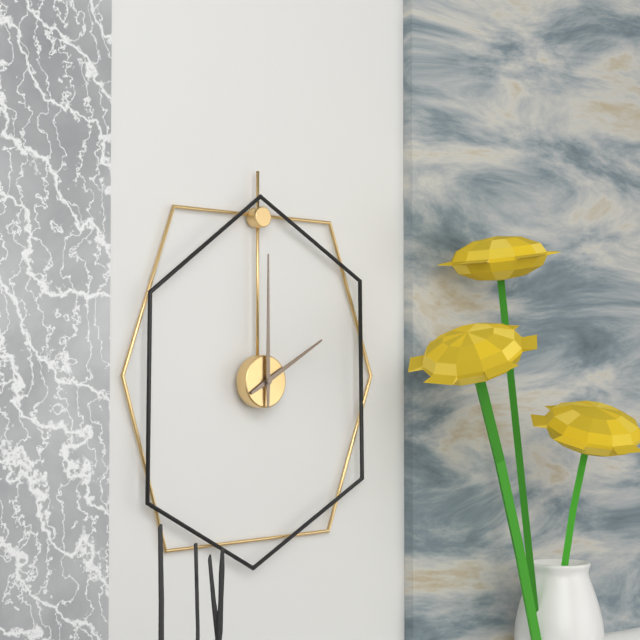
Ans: 2:00
